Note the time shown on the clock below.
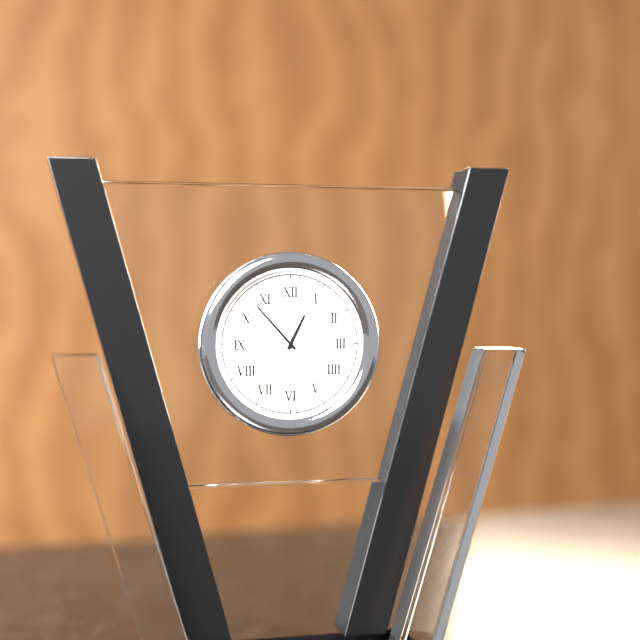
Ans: 12:53:30
